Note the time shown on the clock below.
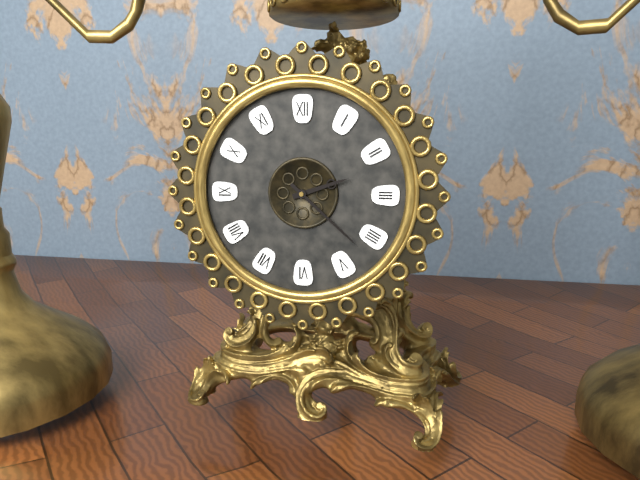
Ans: 2:22
